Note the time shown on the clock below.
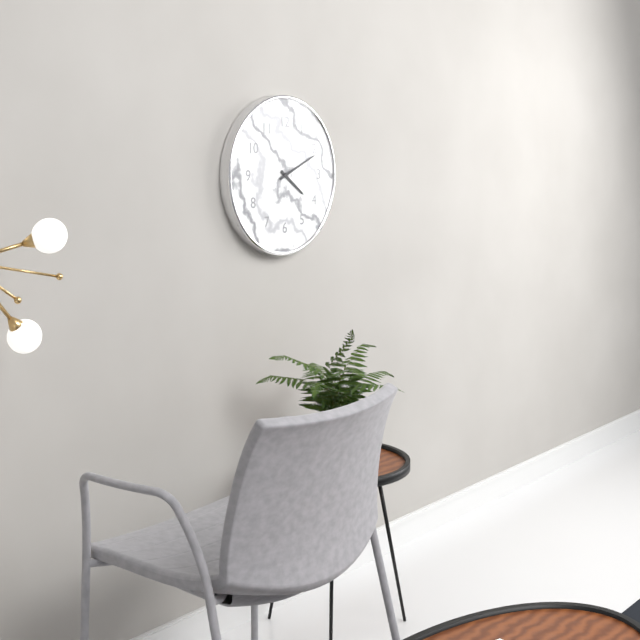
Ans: 4:11
